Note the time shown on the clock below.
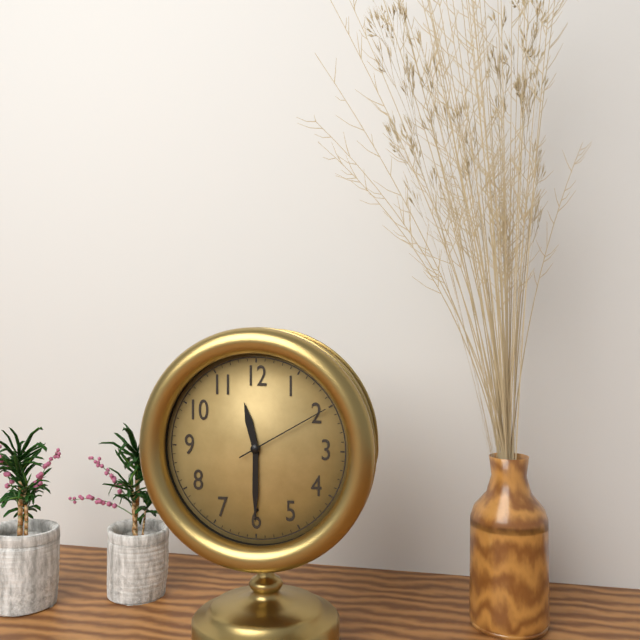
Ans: 11:30:10
